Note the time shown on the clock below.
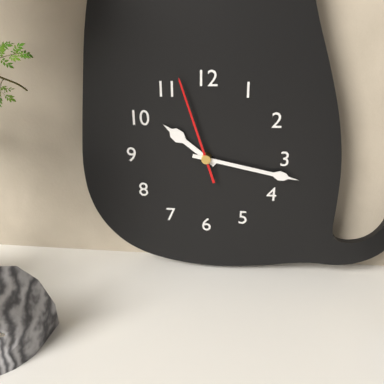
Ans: 10:17:57
